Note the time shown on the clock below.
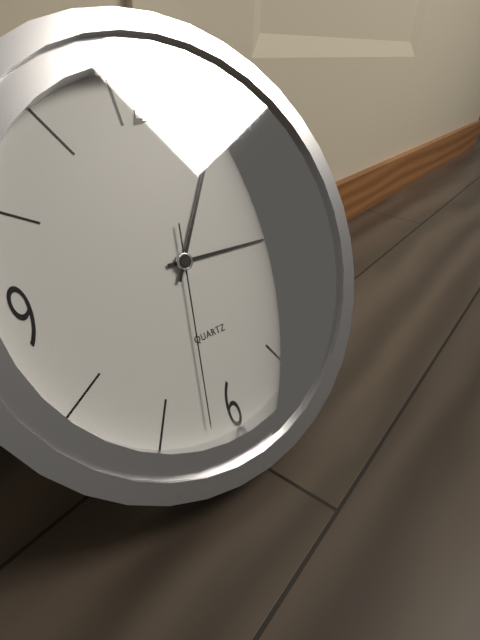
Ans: 3:06:32
